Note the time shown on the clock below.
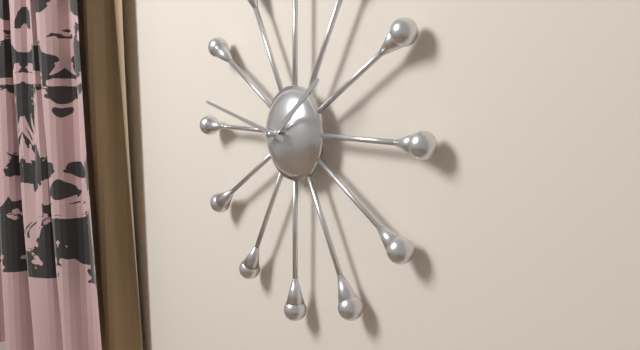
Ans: 1:47
